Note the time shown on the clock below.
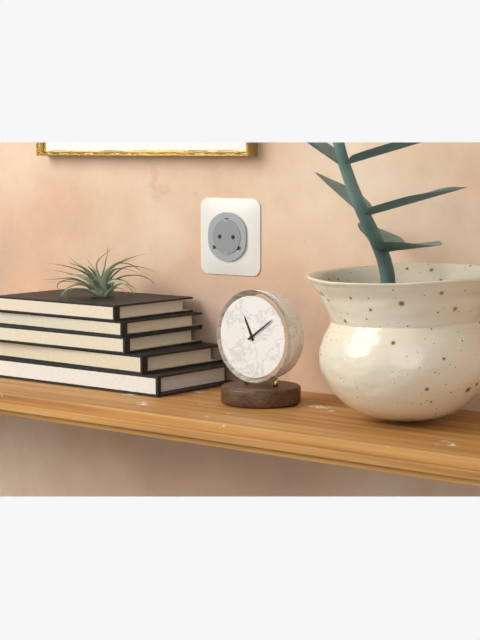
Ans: 11:09
